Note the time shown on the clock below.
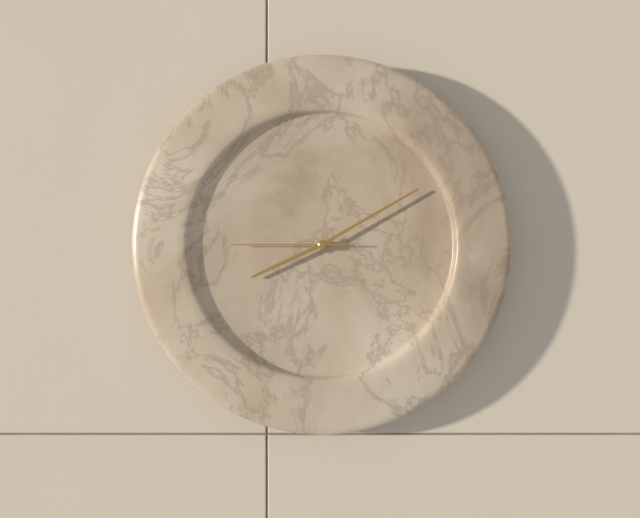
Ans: 8:10:45
